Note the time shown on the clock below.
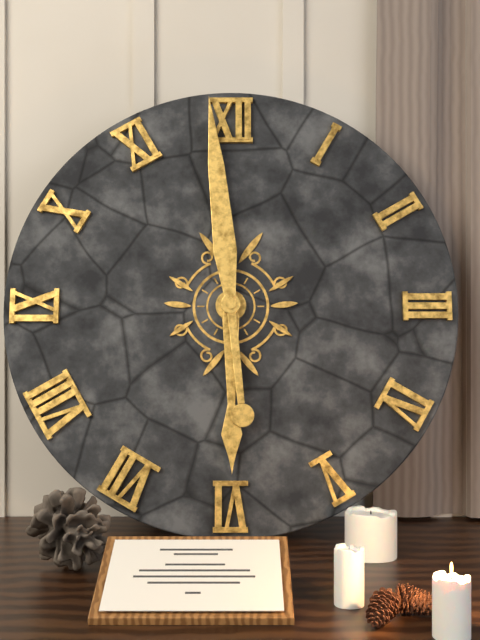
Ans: 5:59
